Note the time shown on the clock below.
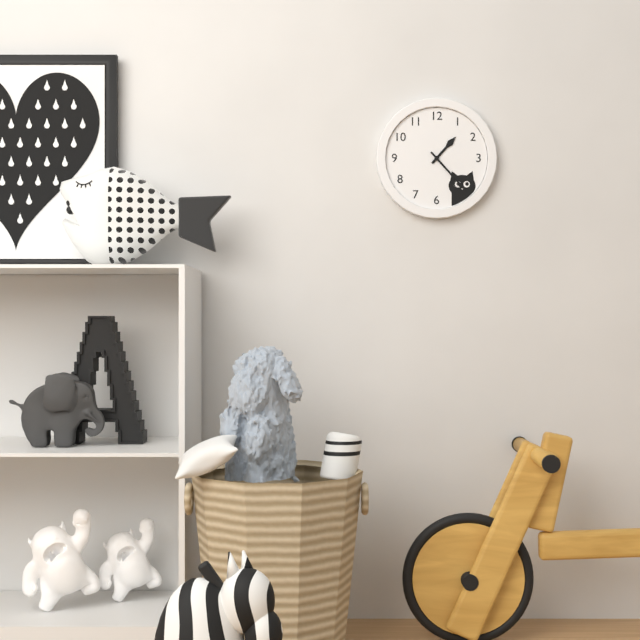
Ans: 1:23
